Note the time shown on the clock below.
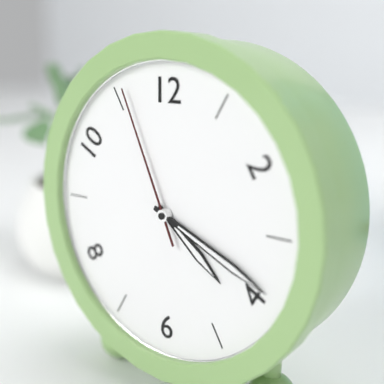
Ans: 4:19:56
